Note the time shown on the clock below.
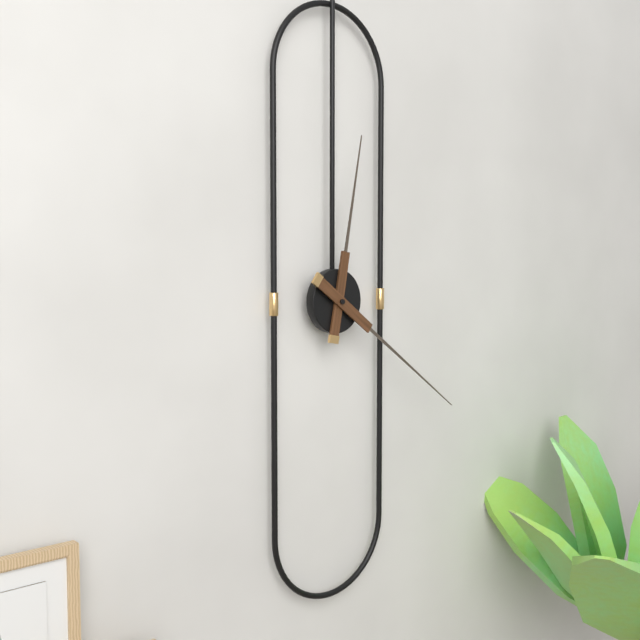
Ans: 12:21
